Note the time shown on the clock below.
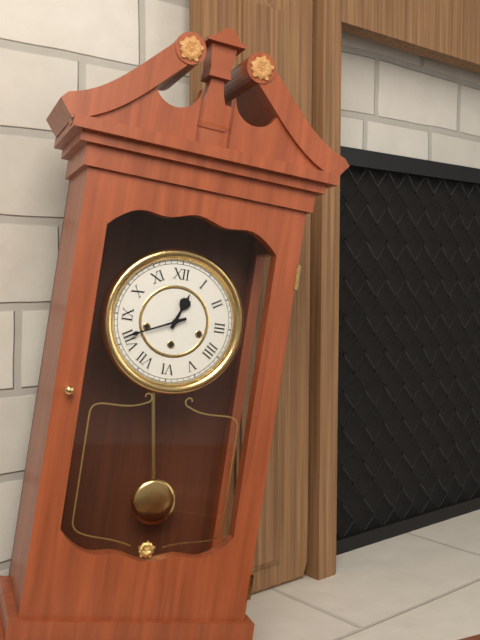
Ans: 12:41
